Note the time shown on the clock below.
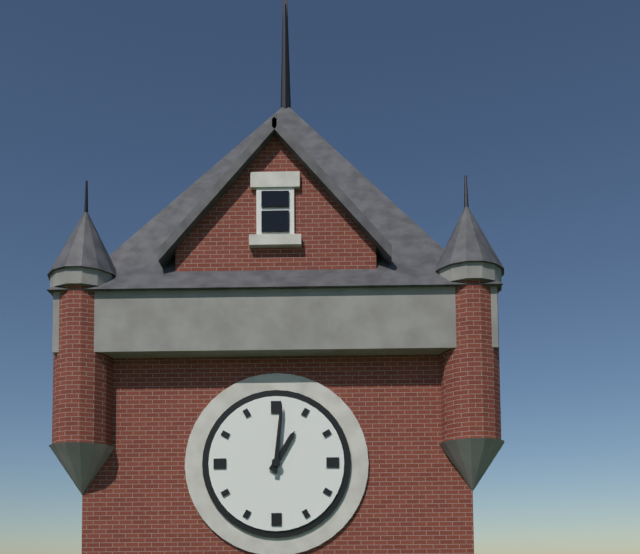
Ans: 1:01
